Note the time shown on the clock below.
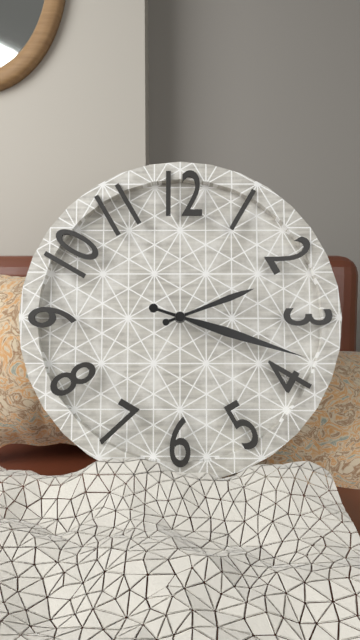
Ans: 2:18
